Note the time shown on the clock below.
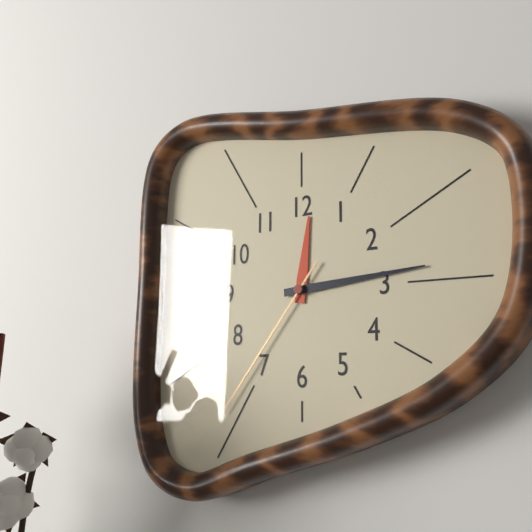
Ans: 12:14:36
